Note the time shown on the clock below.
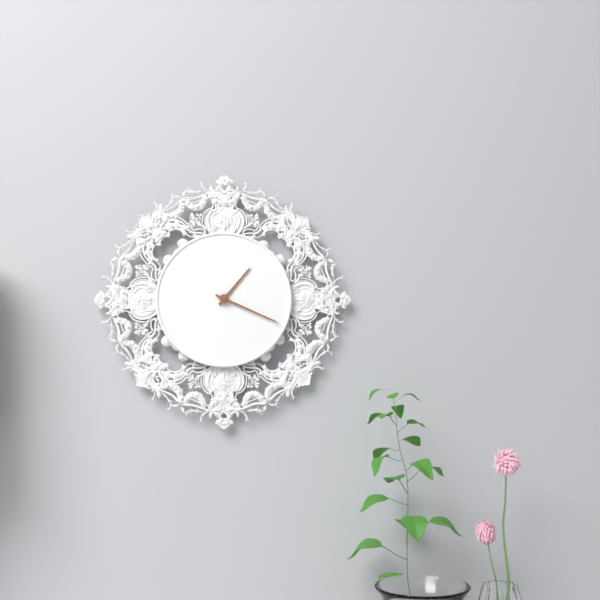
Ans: 1:19
